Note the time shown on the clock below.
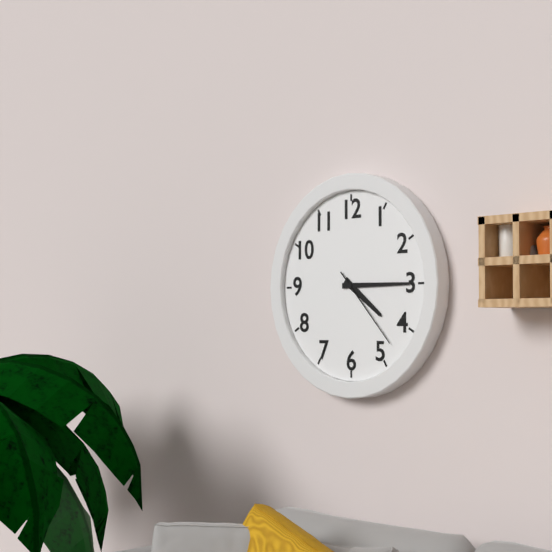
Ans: 4:15:23
